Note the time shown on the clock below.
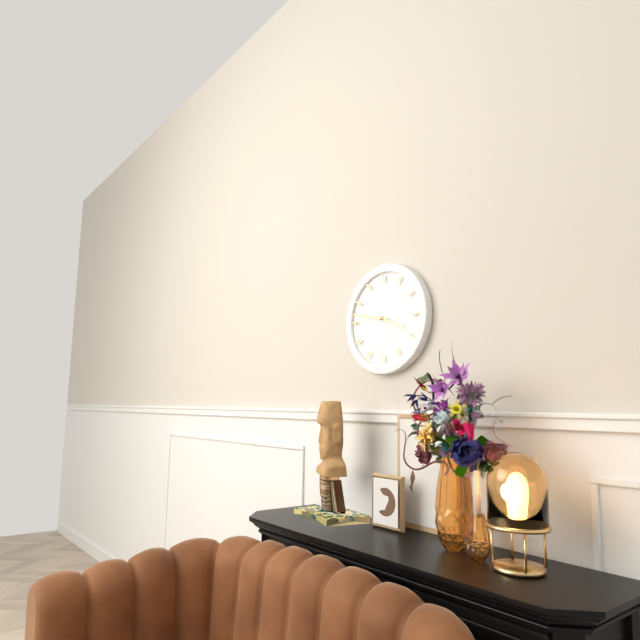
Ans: 3:47
